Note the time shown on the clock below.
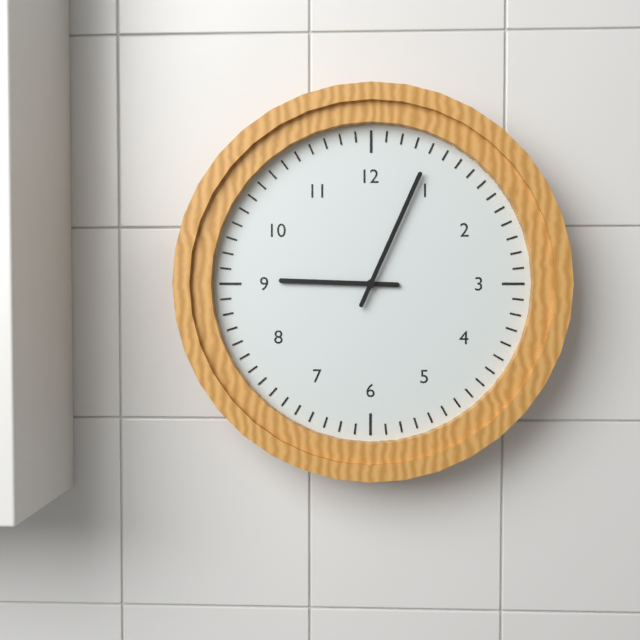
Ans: 9:04
